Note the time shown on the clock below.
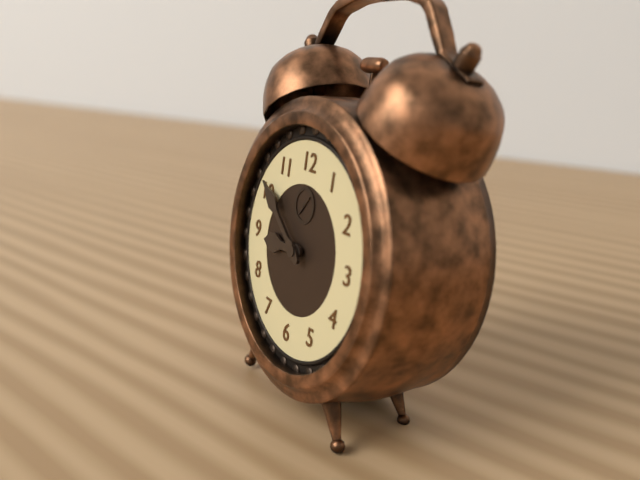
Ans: 8:51
